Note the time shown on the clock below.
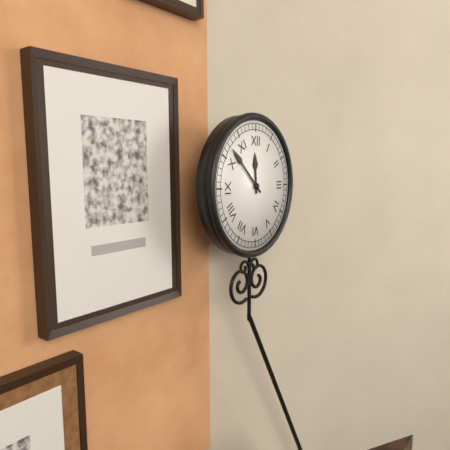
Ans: 11:52
